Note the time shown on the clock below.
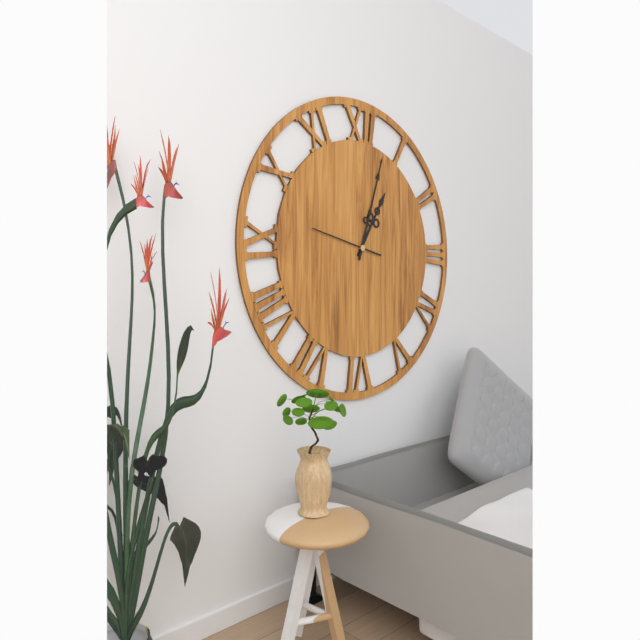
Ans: 1:03:47
